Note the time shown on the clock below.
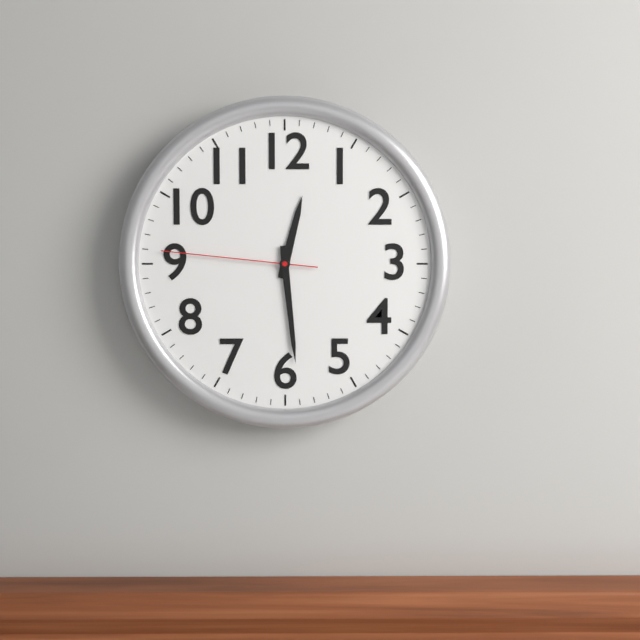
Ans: 12:29:46
